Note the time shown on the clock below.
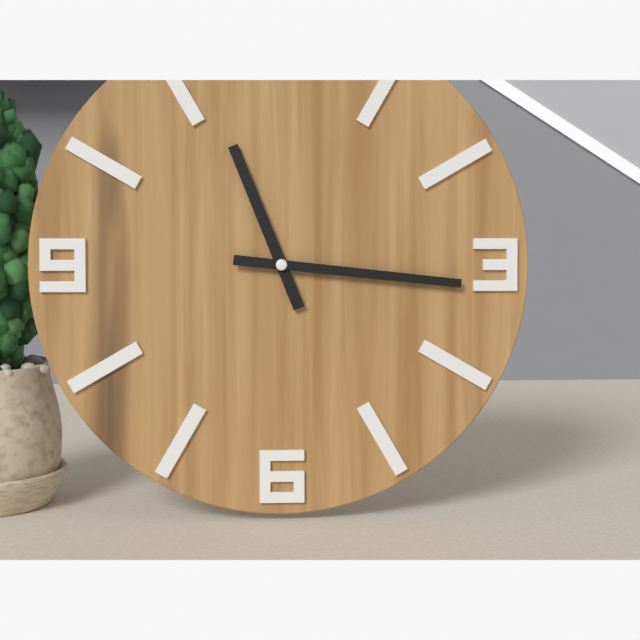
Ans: 11:16
